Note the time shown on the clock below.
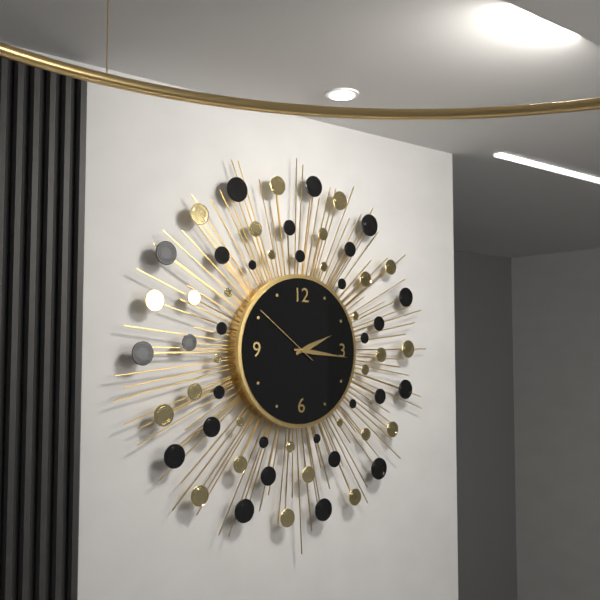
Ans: 2:16:51
